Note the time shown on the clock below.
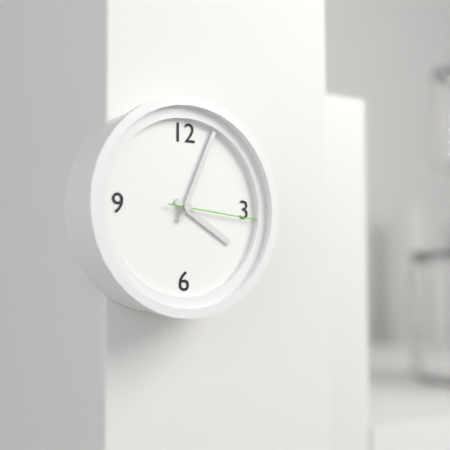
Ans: 4:04:16
